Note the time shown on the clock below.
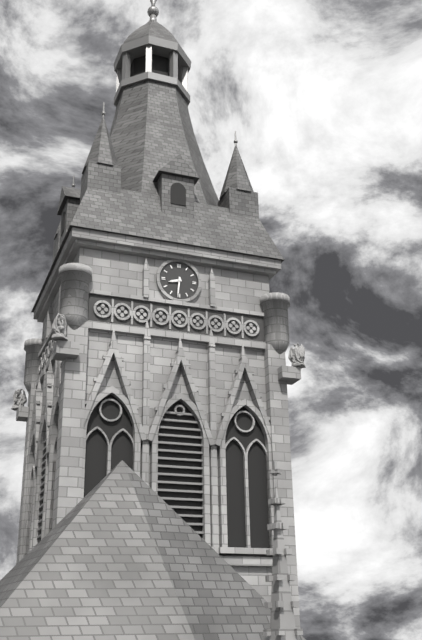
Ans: 8:31
